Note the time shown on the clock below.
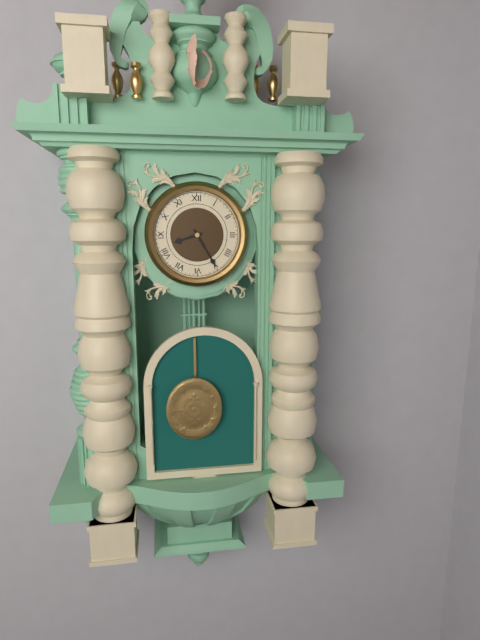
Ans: 8:25
